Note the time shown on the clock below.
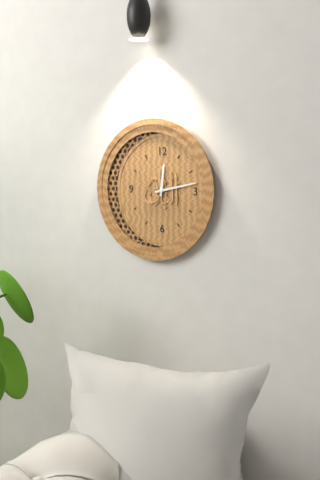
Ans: 12:13
